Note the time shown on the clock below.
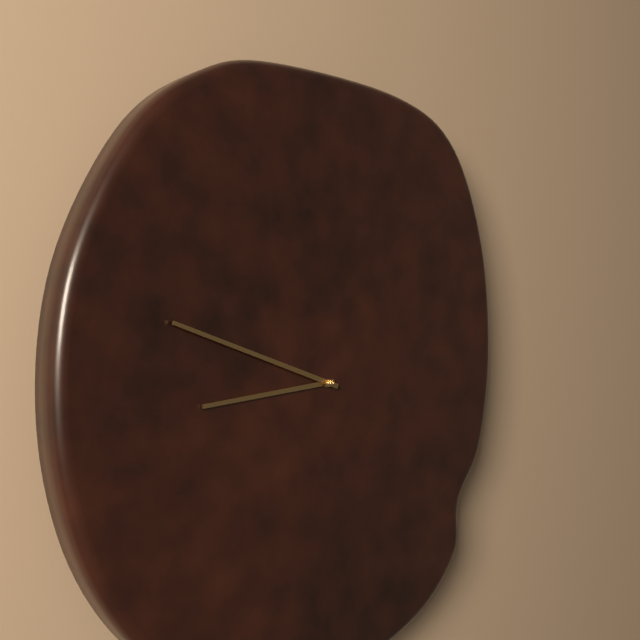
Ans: 8:48
